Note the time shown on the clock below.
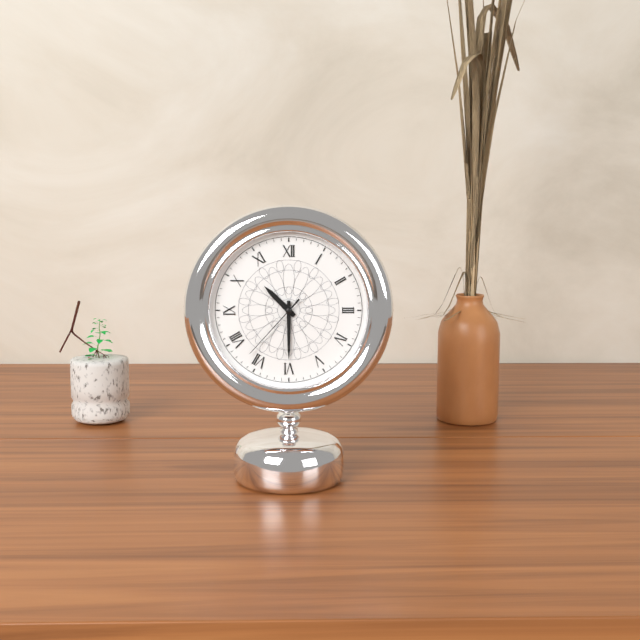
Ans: 10:30:37
